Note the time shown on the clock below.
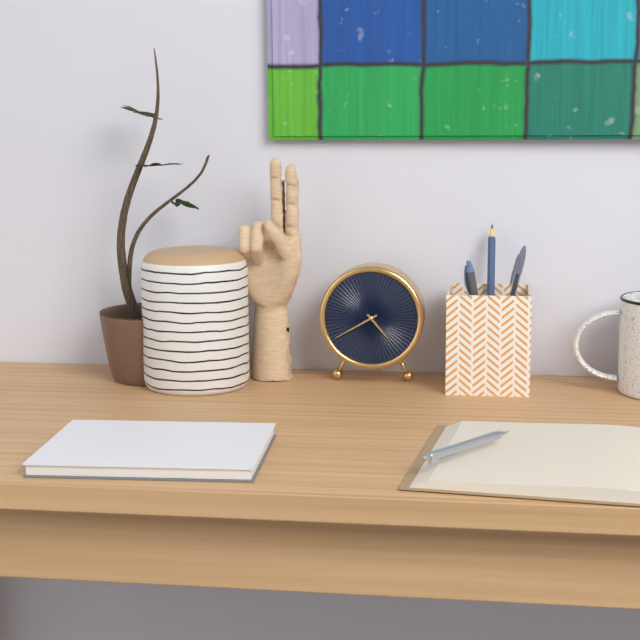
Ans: 4:40
